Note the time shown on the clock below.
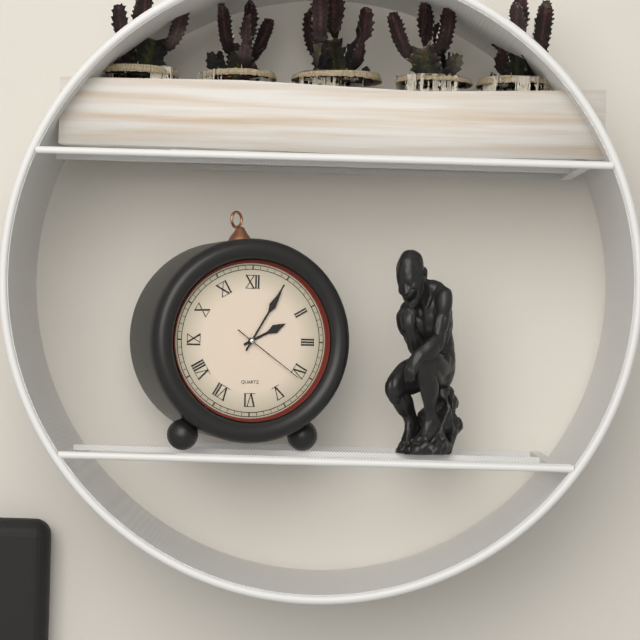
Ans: 2:05:21
